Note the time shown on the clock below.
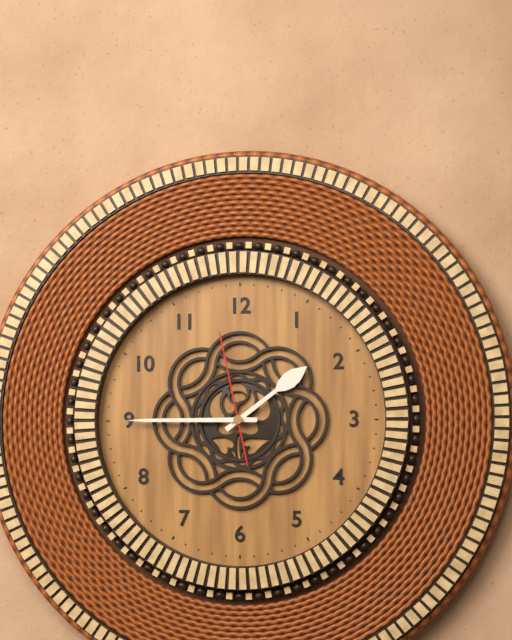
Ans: 1:45:58
